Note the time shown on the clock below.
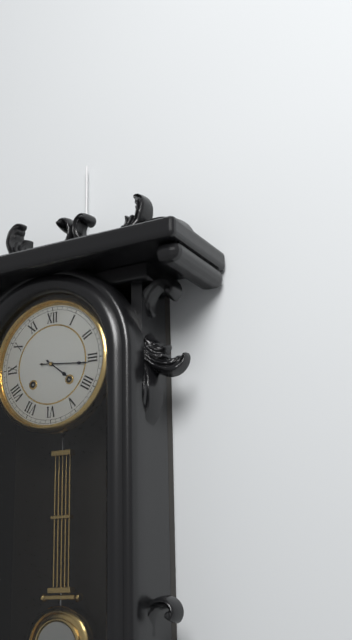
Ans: 4:16
